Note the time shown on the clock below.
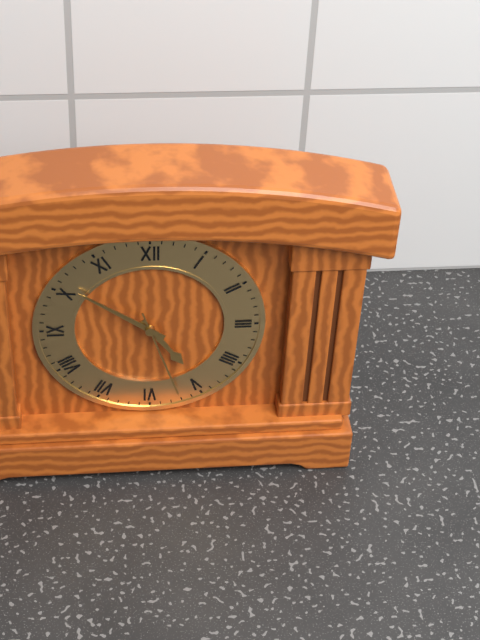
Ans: 4:51:27
